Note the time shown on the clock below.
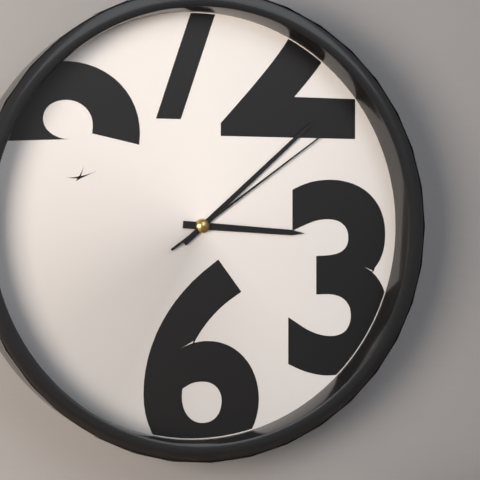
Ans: 3:08:09
